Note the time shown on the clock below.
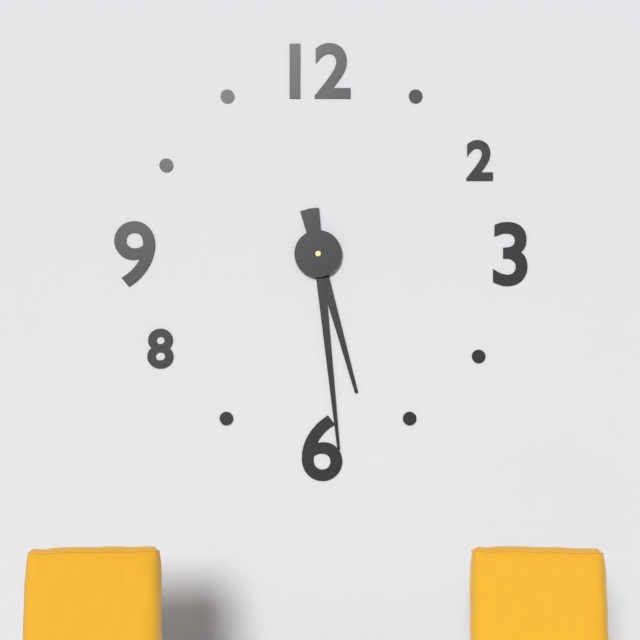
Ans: 5:29
